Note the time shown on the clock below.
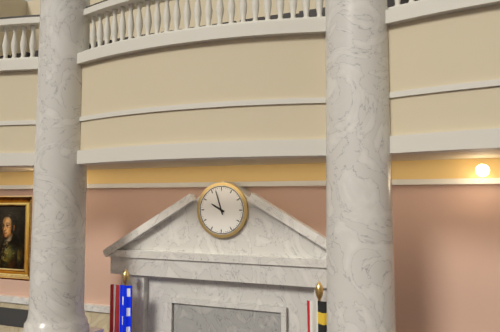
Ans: 9:57
